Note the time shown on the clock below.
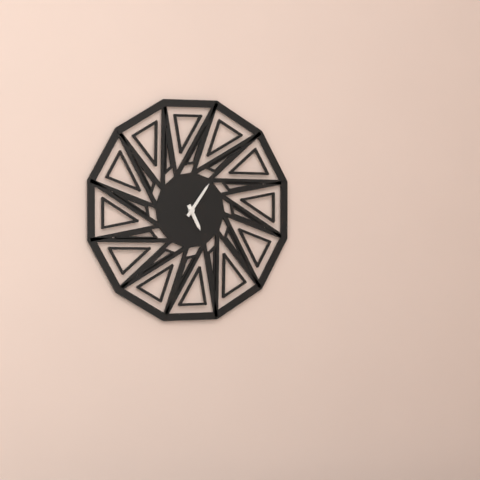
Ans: 5:06
